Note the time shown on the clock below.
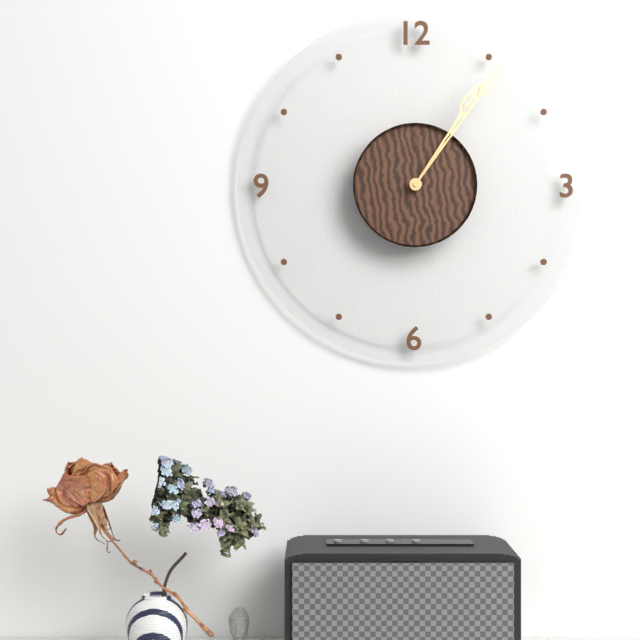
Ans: 1:06
